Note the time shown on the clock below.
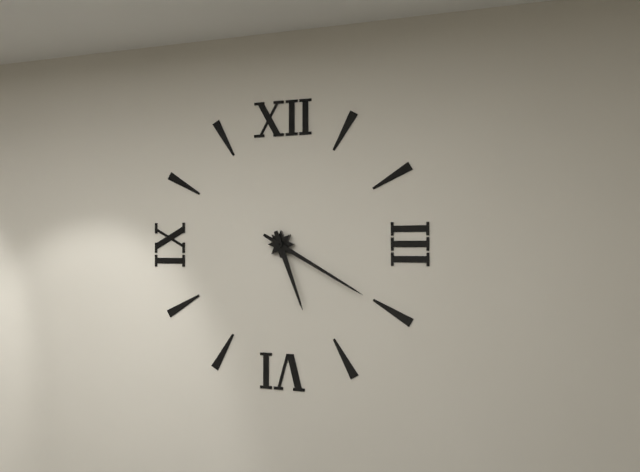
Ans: 5:20
